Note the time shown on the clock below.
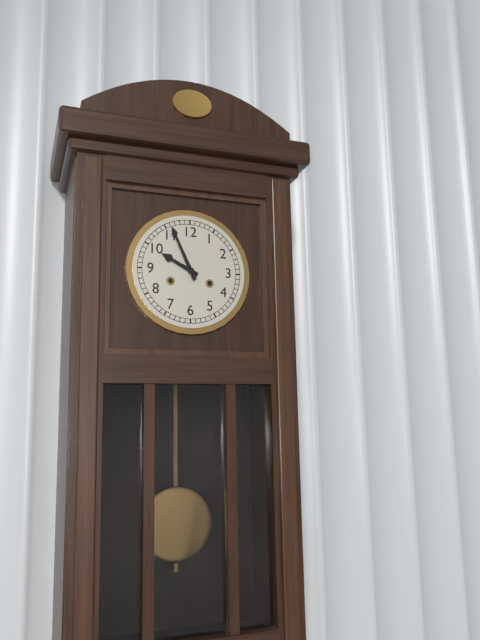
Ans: 9:56
